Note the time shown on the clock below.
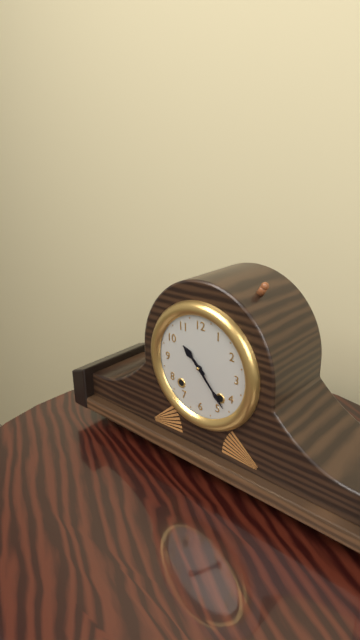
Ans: 10:23
